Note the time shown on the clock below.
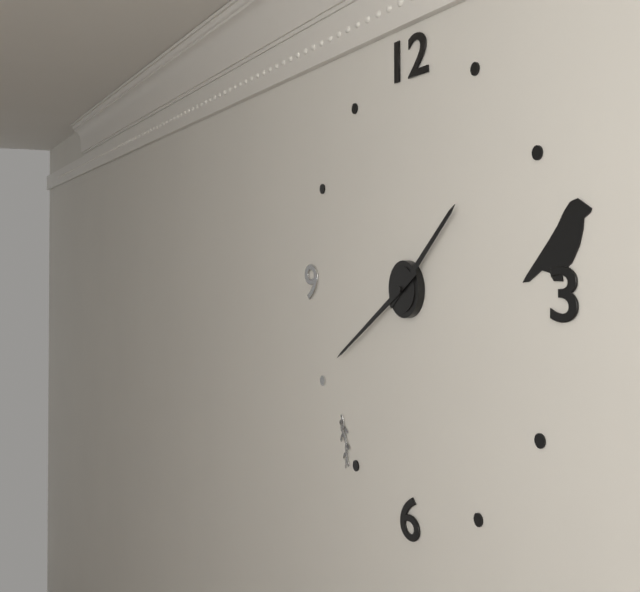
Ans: 1:40
